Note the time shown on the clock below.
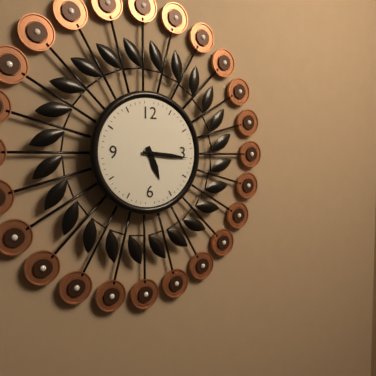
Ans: 5:16
